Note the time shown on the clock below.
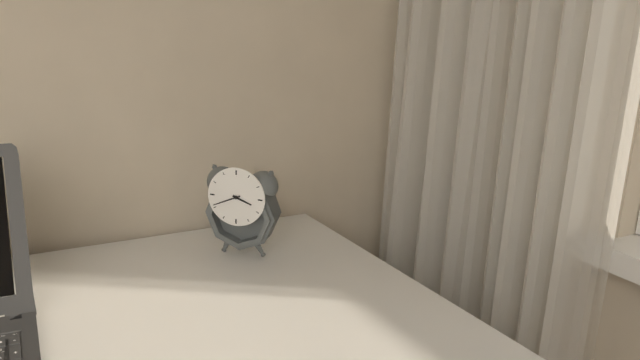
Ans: 3:41
